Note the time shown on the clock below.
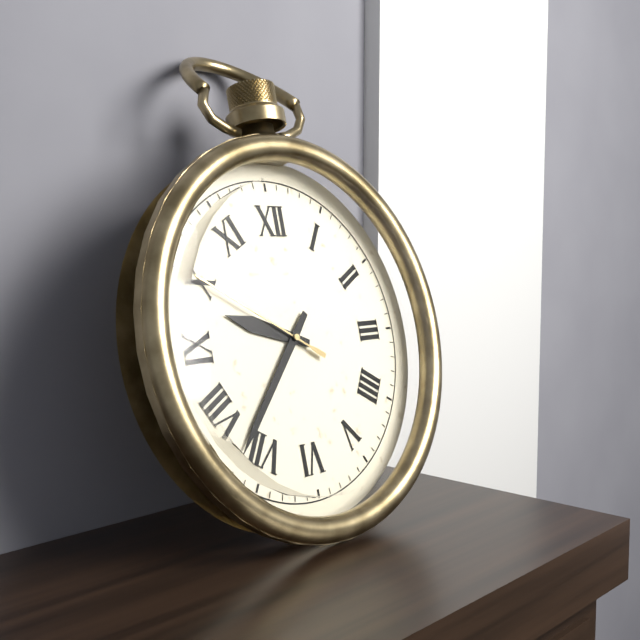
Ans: 9:37:50
